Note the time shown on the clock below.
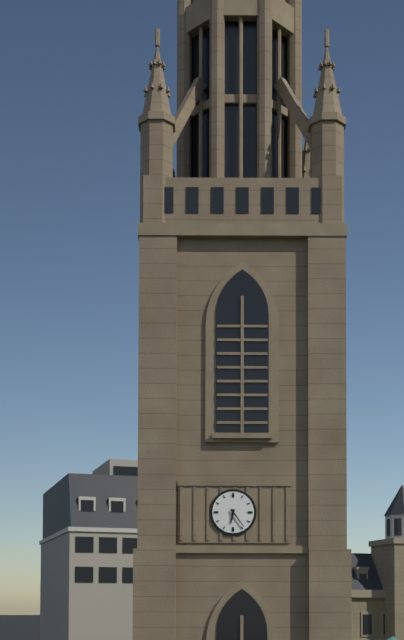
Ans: 6:24
